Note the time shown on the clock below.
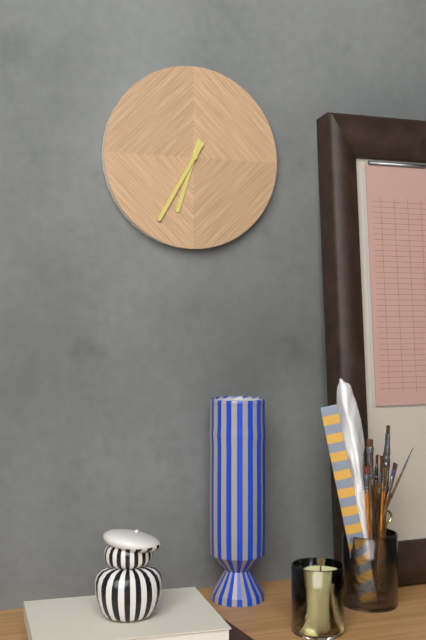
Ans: 6:35
